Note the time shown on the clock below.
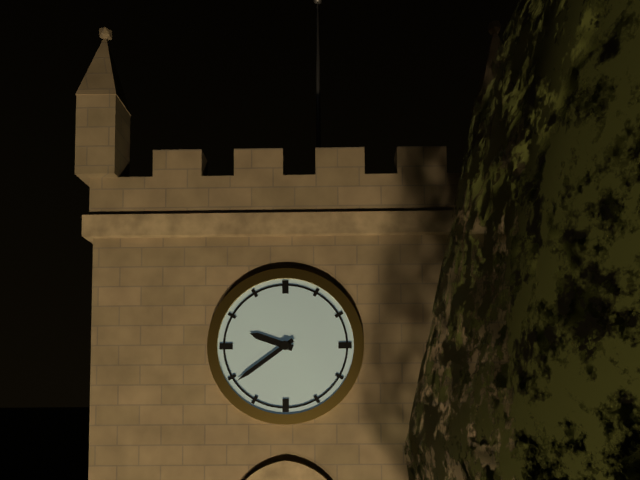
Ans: 9:39
